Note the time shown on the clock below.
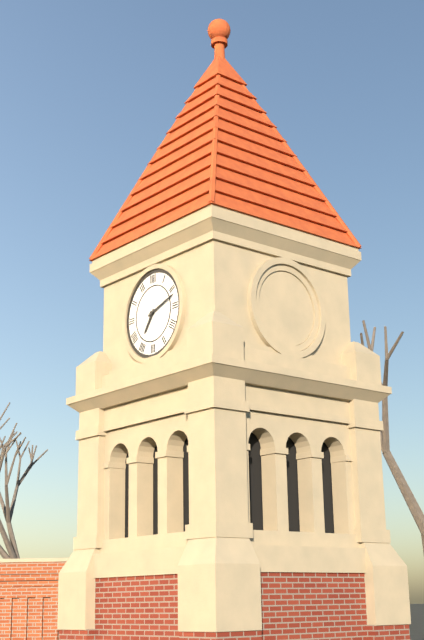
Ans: 7:12
